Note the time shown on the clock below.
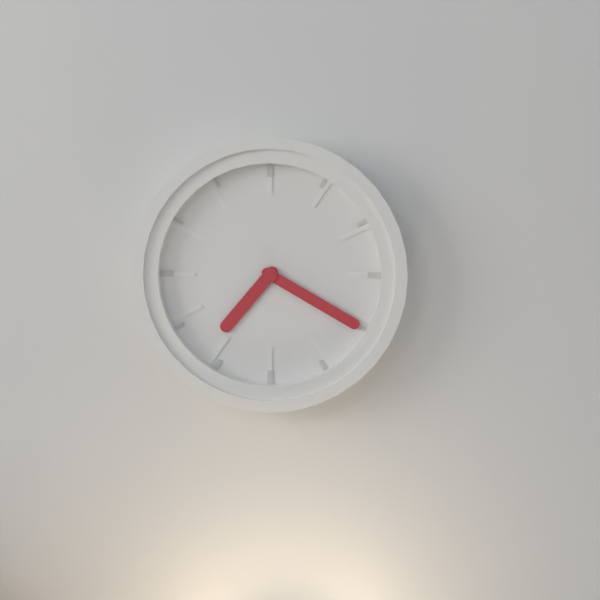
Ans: 7:20
